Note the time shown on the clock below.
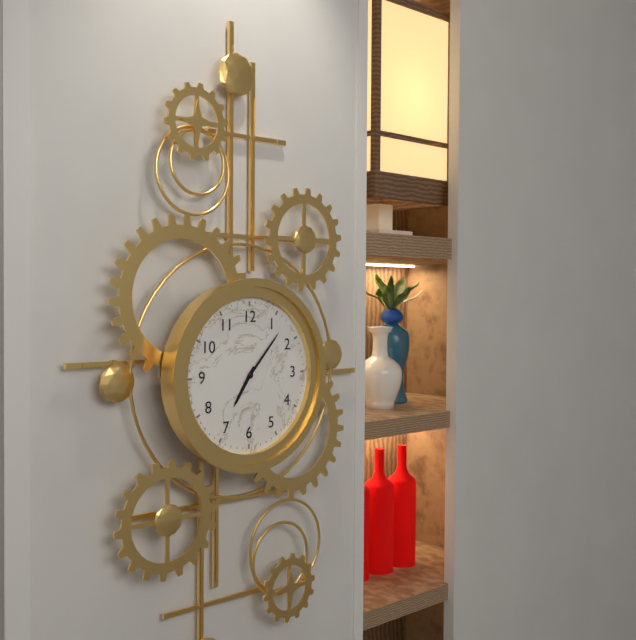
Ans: 7:07
